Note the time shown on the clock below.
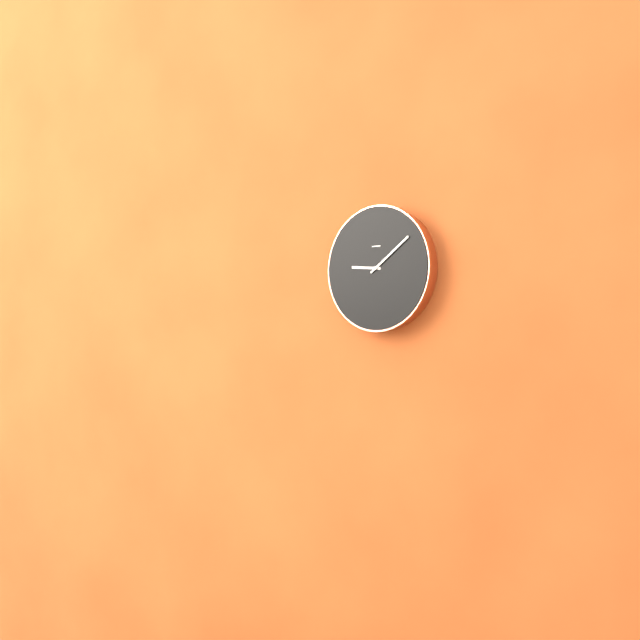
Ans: 9:09
